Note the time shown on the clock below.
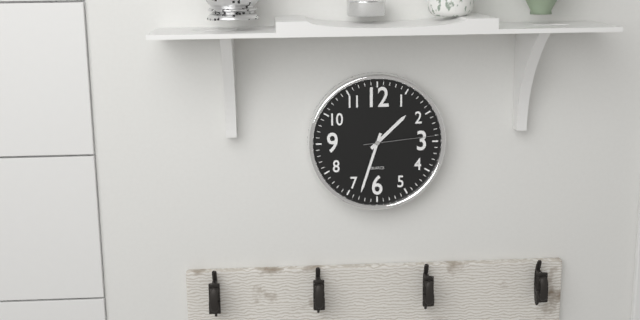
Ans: 1:33:14
